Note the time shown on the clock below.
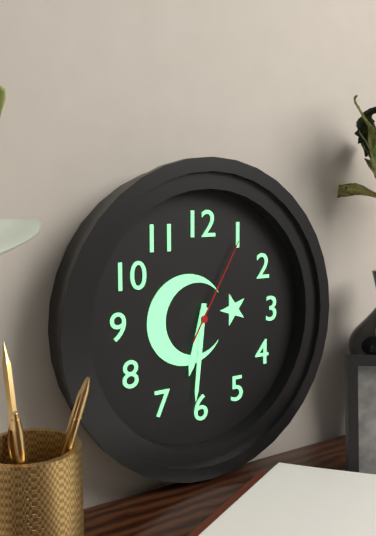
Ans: 6:31:05
